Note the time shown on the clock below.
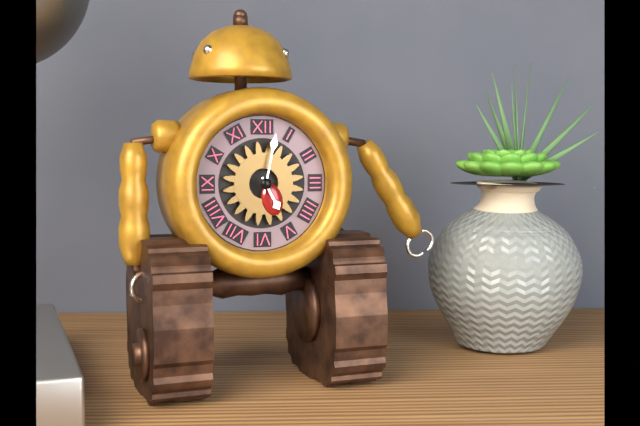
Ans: 5:02
